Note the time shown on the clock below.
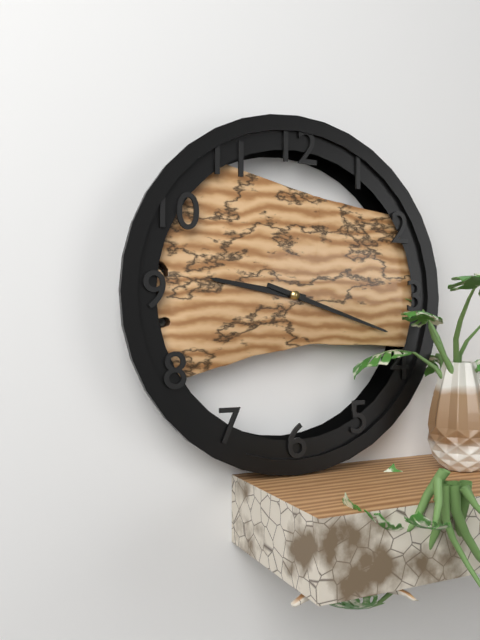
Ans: 9:18
